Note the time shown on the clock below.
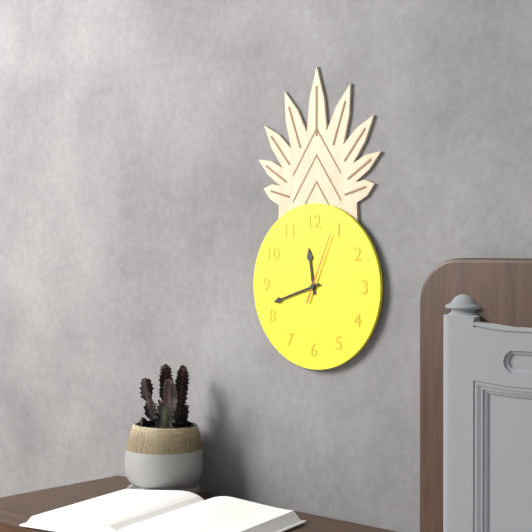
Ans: 11:42:04
